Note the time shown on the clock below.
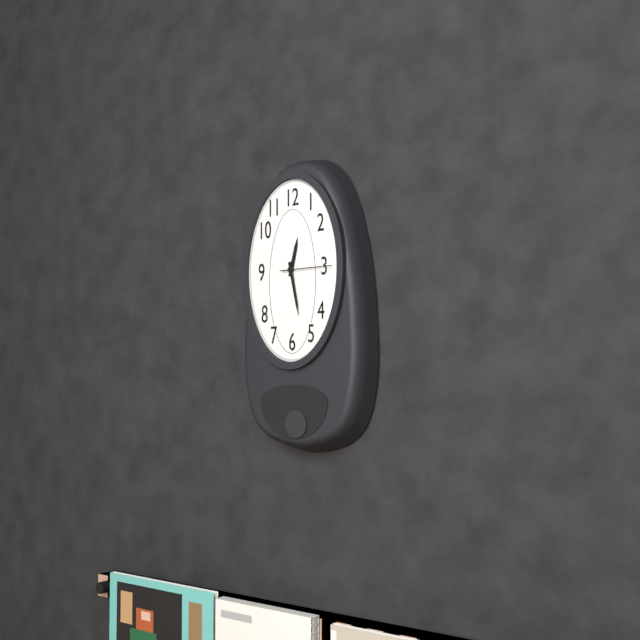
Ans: 12:28:15
